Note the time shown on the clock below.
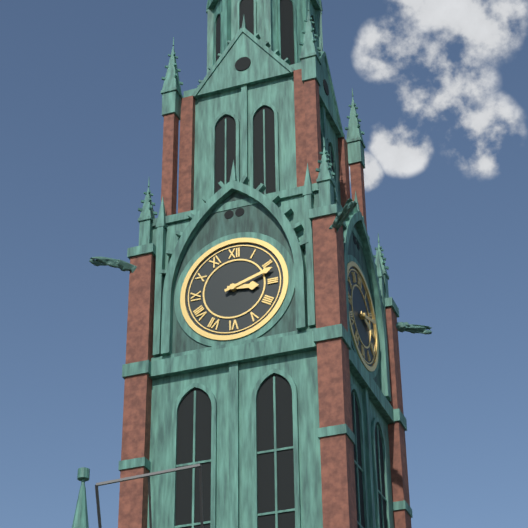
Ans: 3:12
